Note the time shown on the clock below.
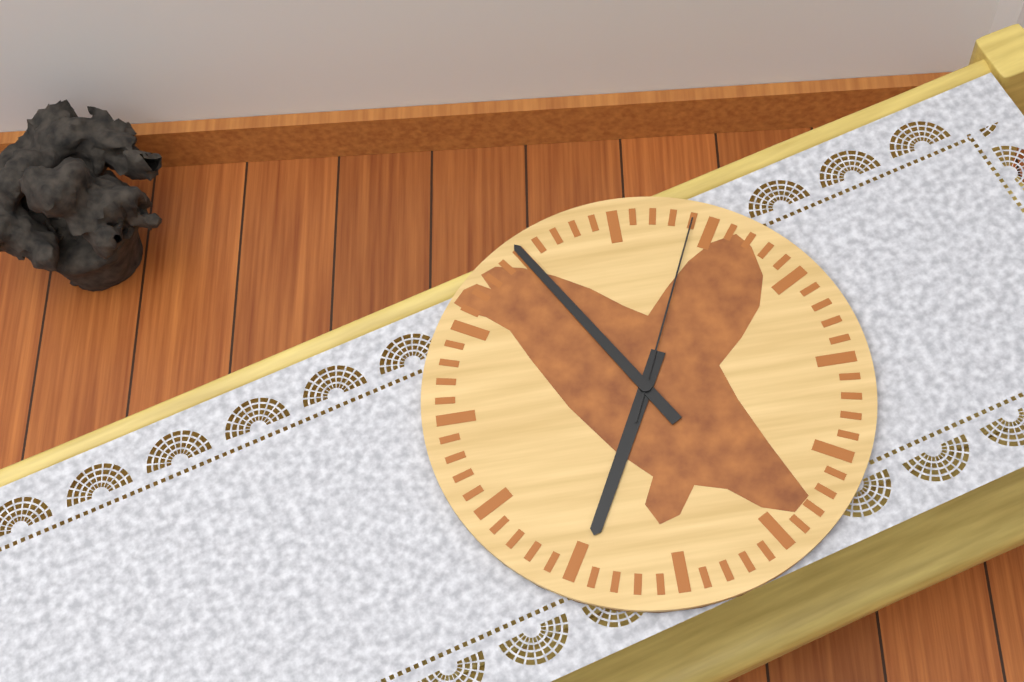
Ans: 6:55:04
